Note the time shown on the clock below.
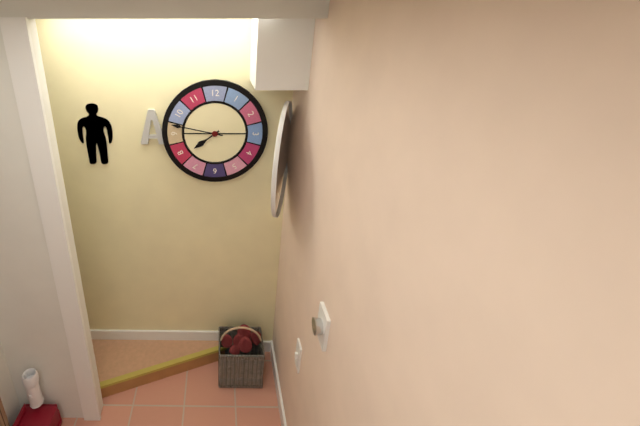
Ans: 7:47
